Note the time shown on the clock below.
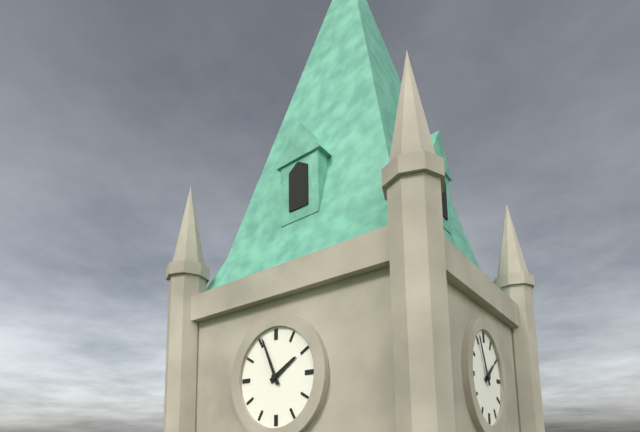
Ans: 1:56
